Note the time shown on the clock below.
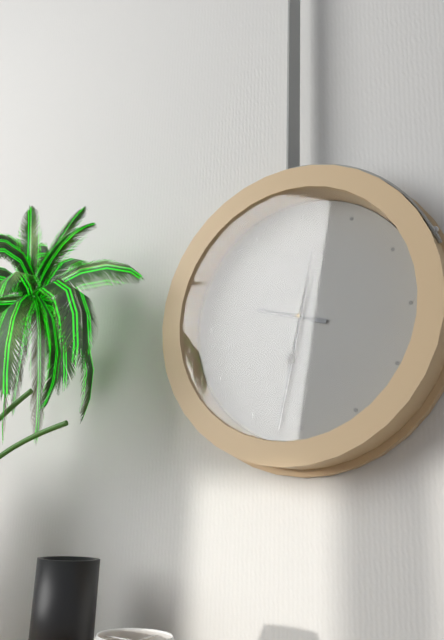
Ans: 9:32:02
